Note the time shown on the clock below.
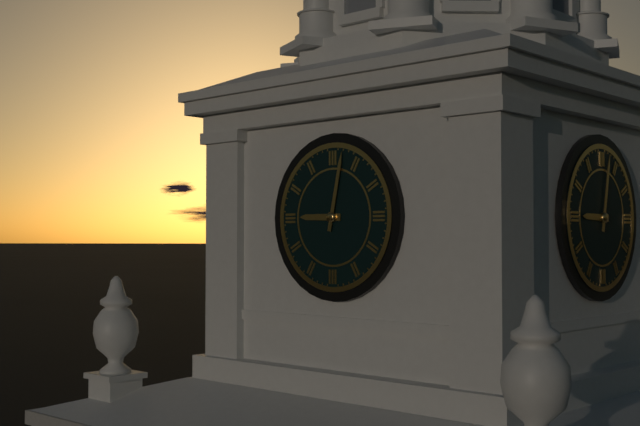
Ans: 9:02
